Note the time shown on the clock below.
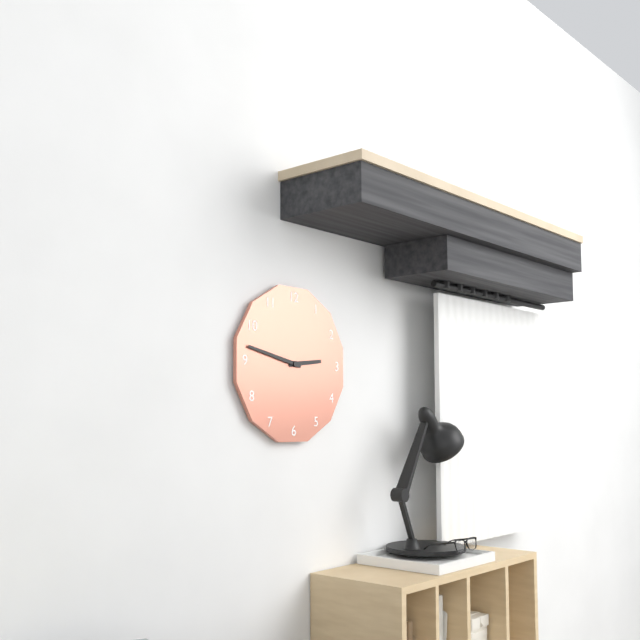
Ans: 2:47
